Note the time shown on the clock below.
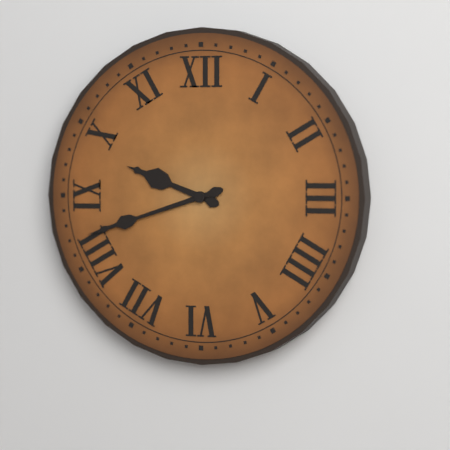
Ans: 9:42
